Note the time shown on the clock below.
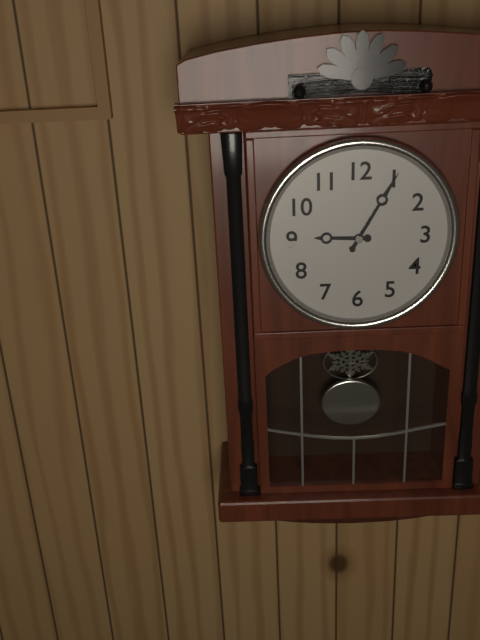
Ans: 9:05
